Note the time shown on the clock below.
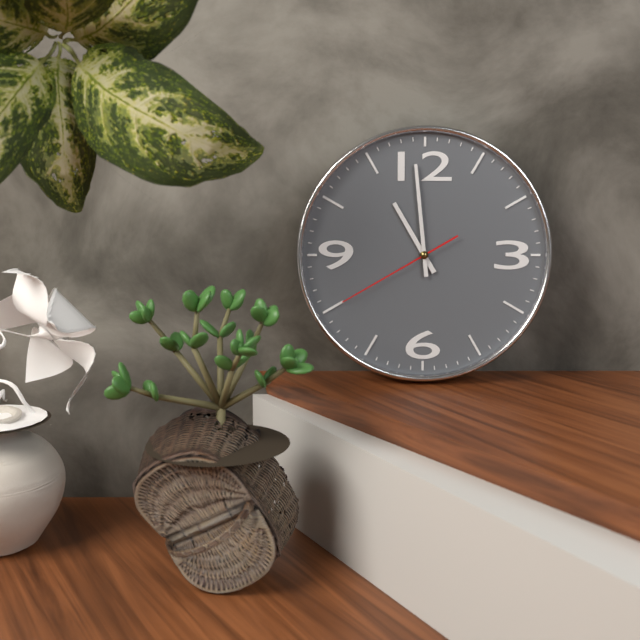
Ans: 10:59:40
